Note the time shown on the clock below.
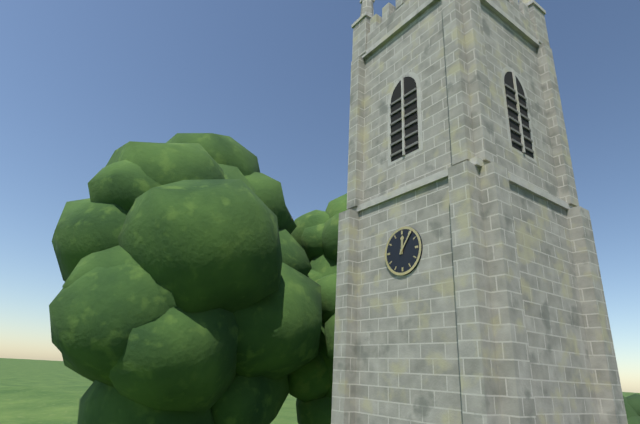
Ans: 12:06
